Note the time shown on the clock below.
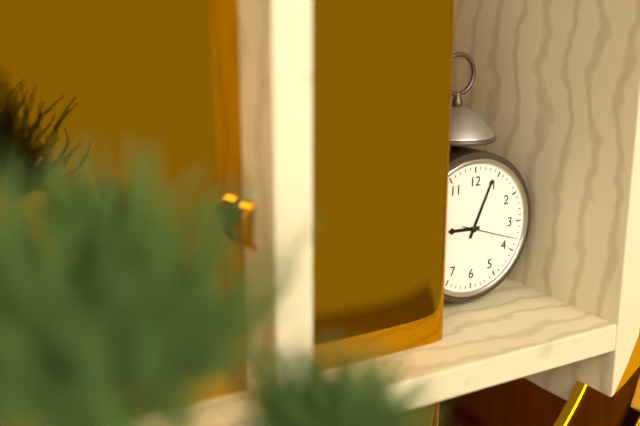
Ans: 9:04:18
